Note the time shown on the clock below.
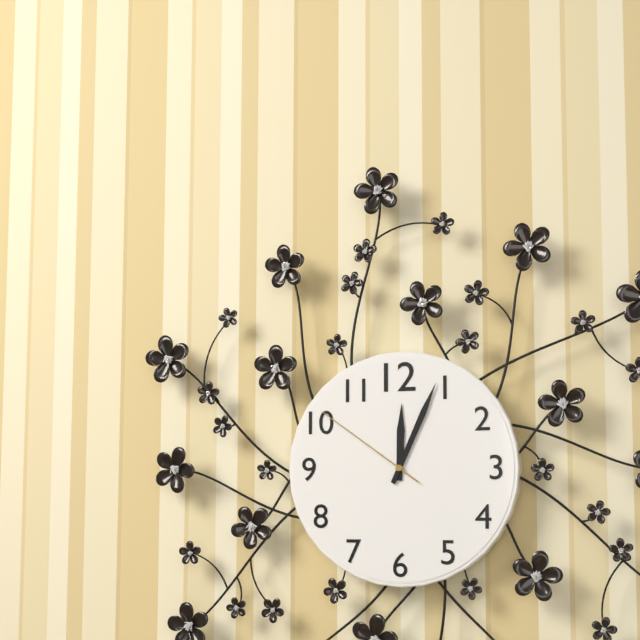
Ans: 12:04:51
